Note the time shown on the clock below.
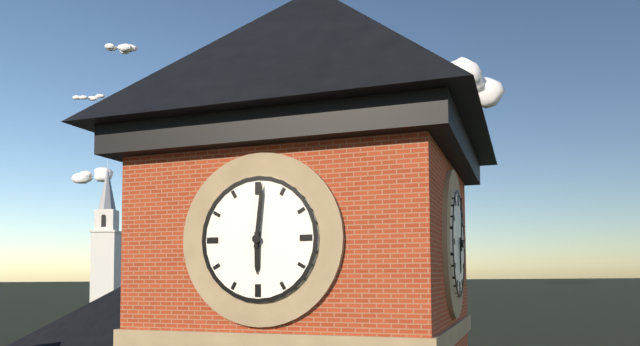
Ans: 6:01
